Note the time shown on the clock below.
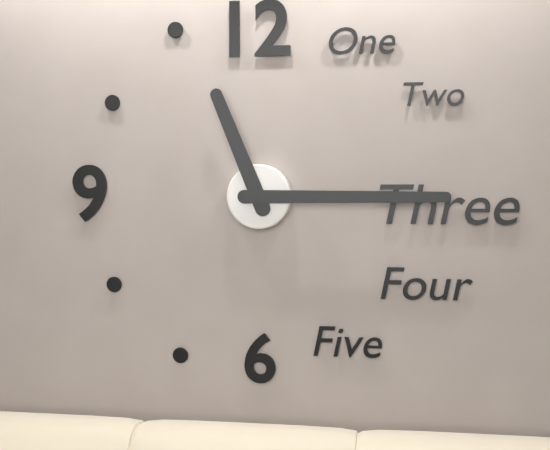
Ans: 11:15
